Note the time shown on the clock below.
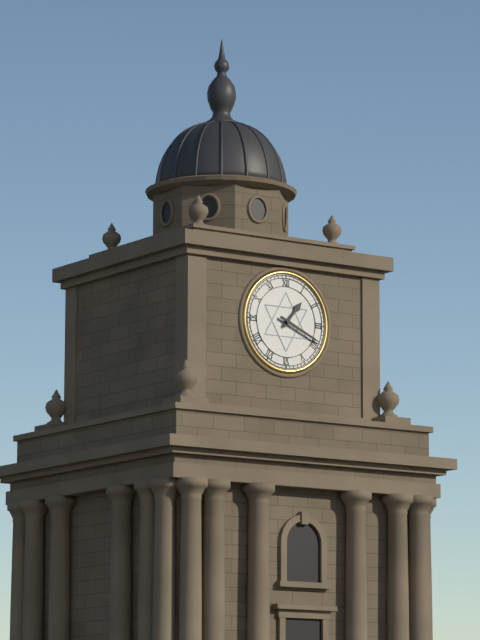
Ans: 1:19
